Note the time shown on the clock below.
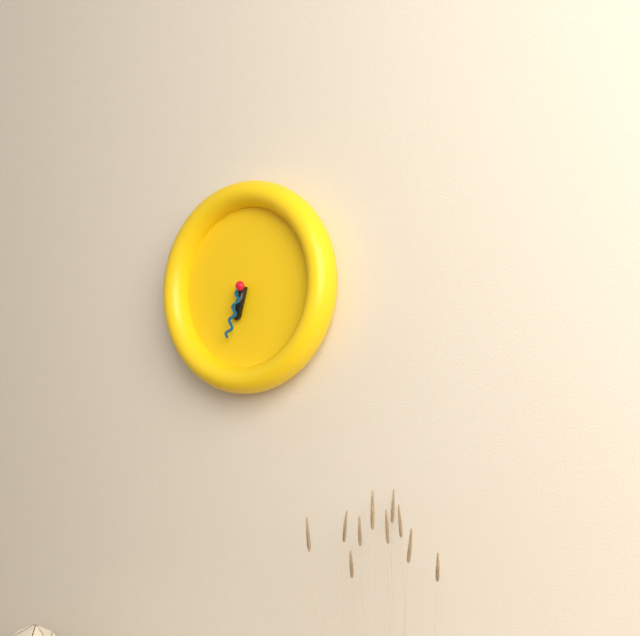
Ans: 6:33
